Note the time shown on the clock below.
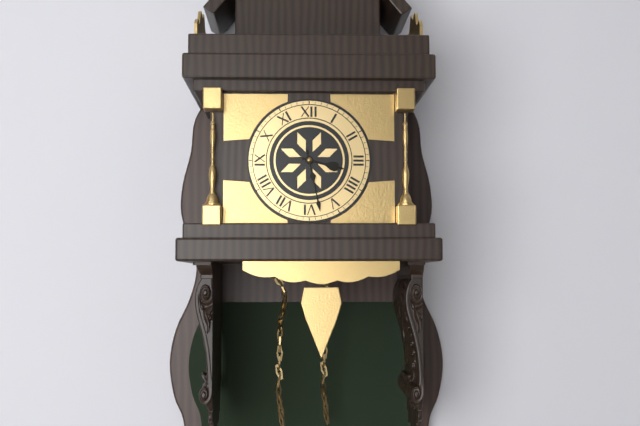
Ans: 3:28
